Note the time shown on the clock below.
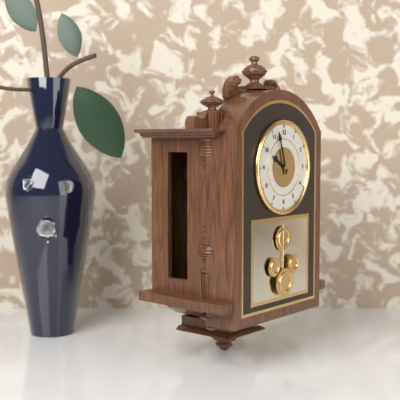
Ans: 9:57
